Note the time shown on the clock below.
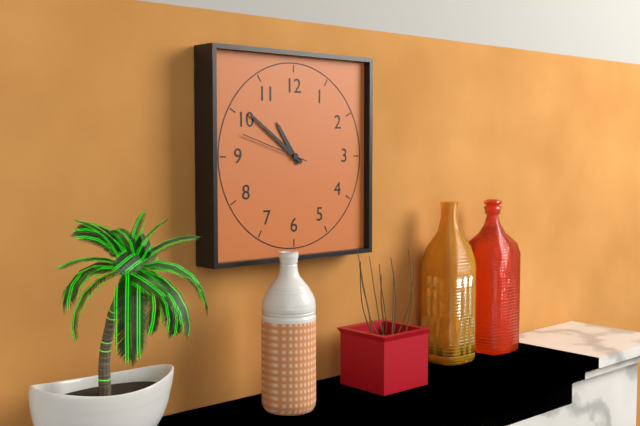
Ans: 10:51:48
